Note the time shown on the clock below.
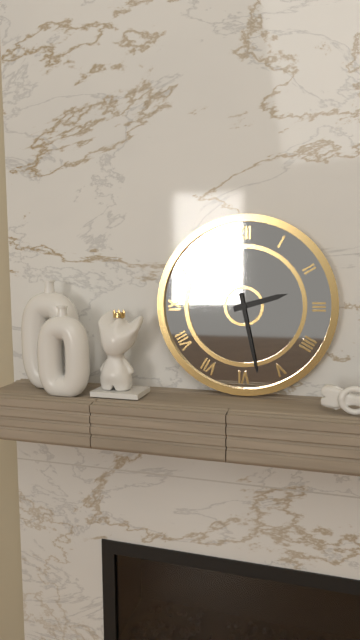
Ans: 2:28
